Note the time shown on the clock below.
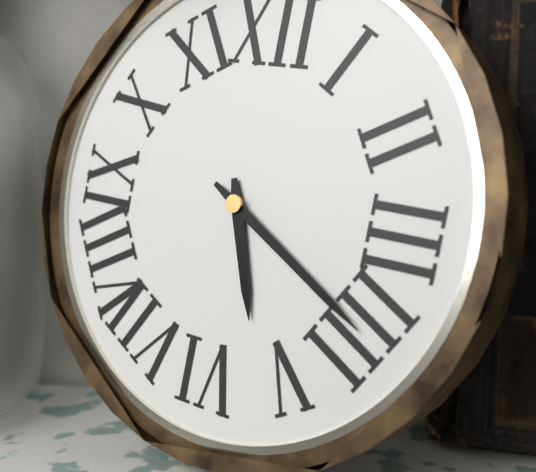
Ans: 5:20
